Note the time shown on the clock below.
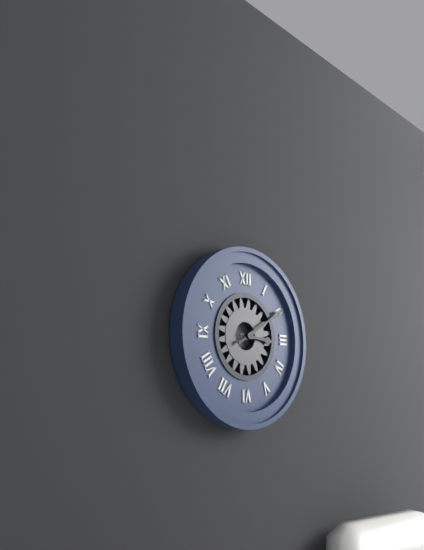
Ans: 3:10
